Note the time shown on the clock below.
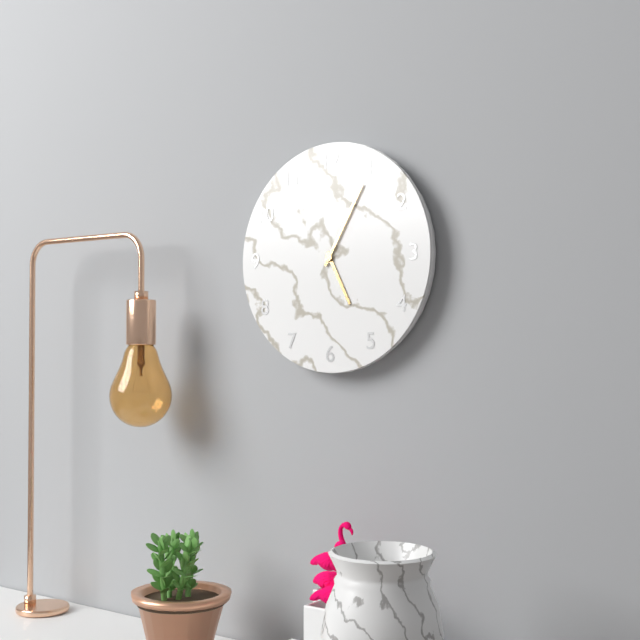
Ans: 5:05
